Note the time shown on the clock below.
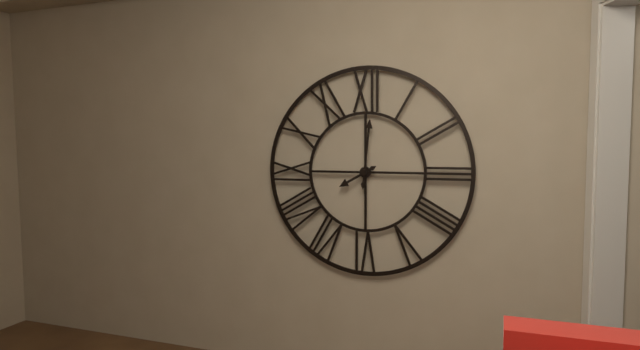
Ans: 8:01
